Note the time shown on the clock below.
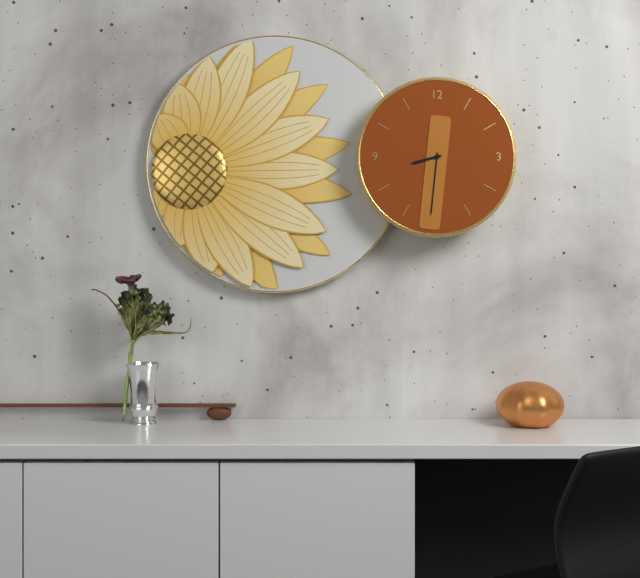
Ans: 8:31
